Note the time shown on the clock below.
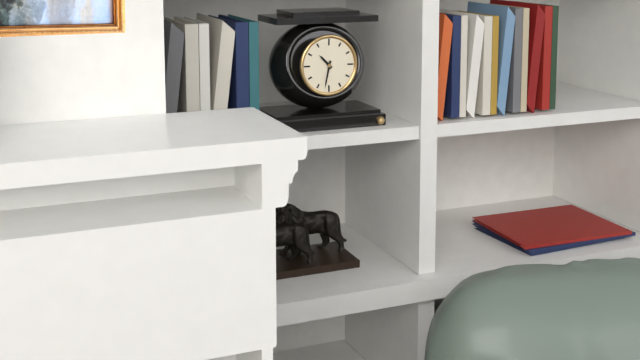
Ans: 10:32
